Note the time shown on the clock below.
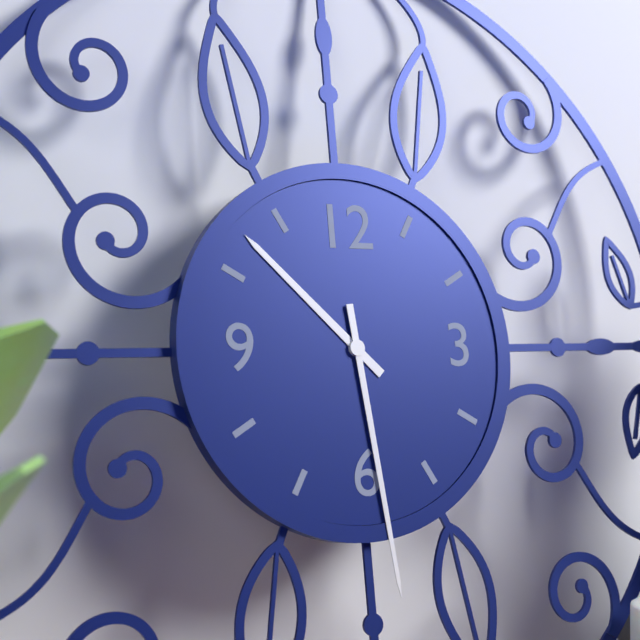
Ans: 10:29
